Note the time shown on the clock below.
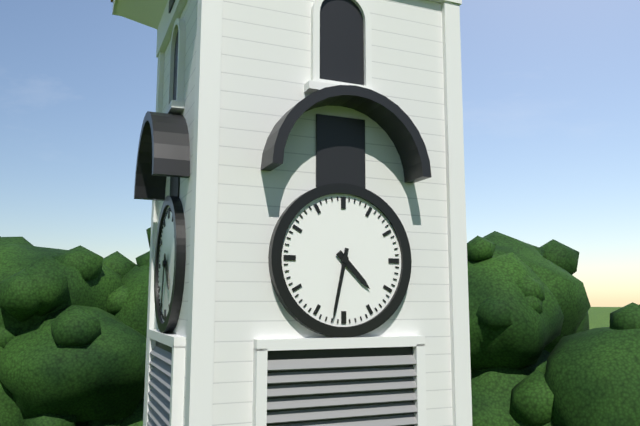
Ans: 4:32
